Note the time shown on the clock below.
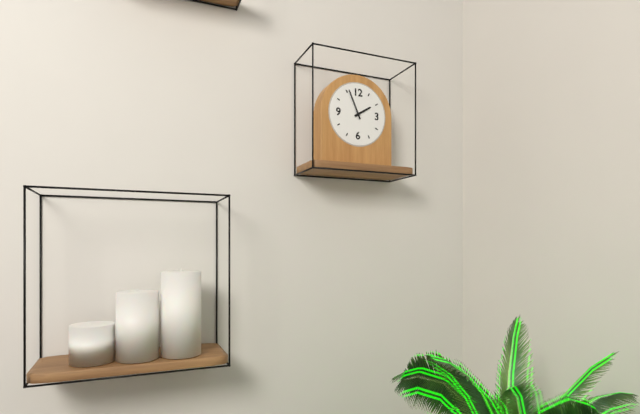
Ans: 1:56
